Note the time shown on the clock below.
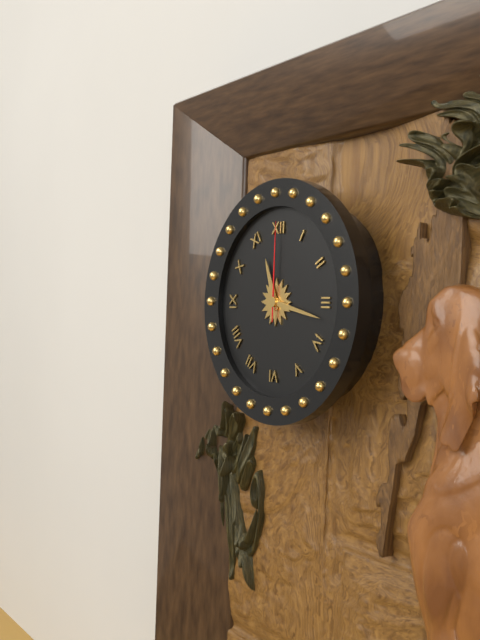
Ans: 11:17:00
